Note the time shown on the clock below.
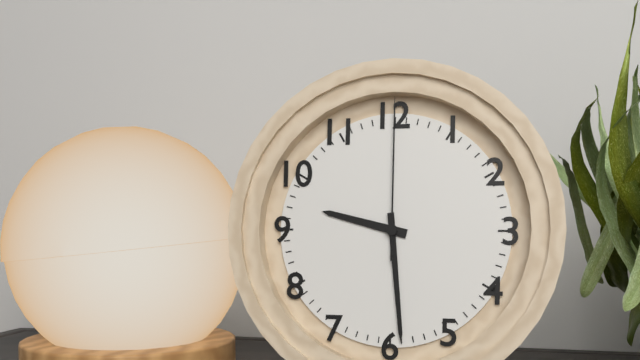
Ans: 9:29:00
